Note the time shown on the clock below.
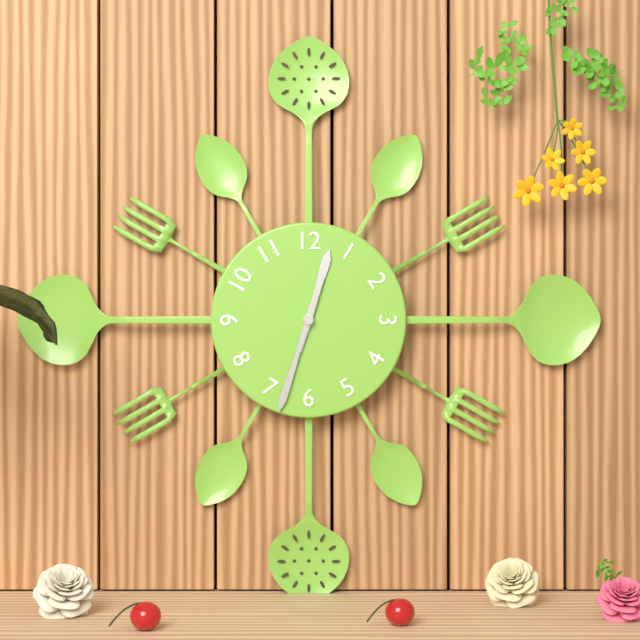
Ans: 12:33
